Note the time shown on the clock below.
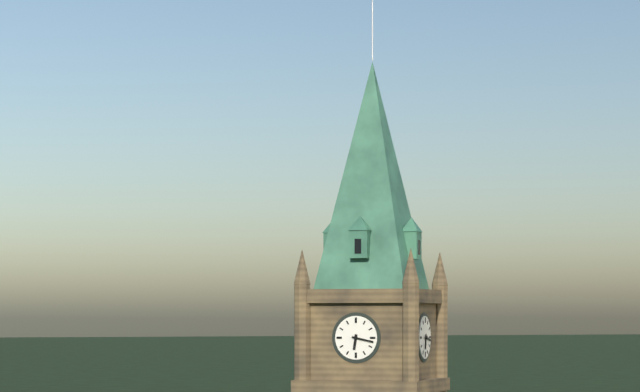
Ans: 6:17
